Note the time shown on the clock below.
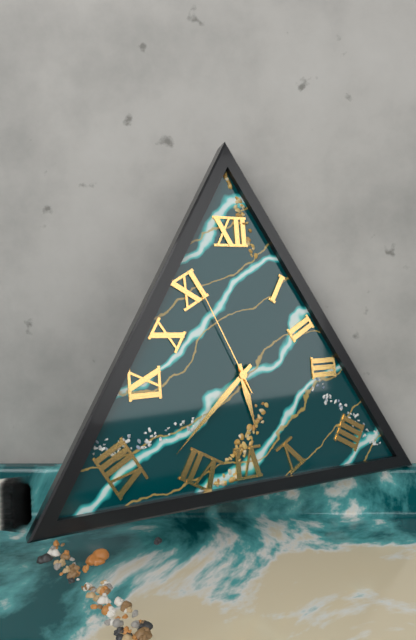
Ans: 5:38:56
